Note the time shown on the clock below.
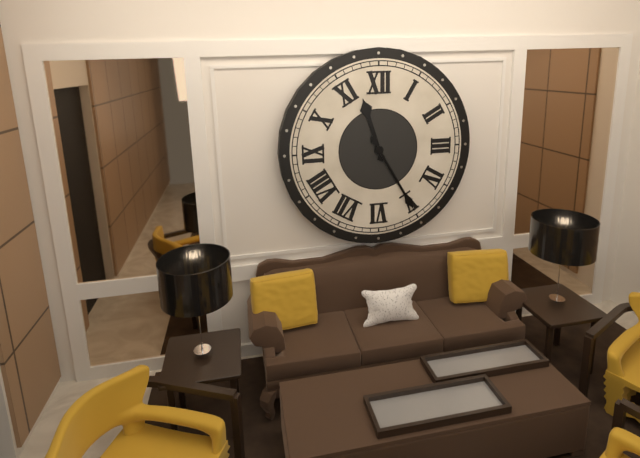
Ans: 11:25
